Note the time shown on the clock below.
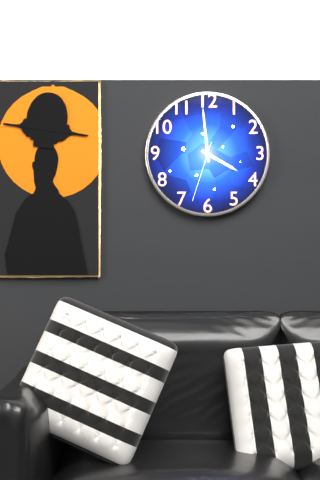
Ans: 3:59:33
